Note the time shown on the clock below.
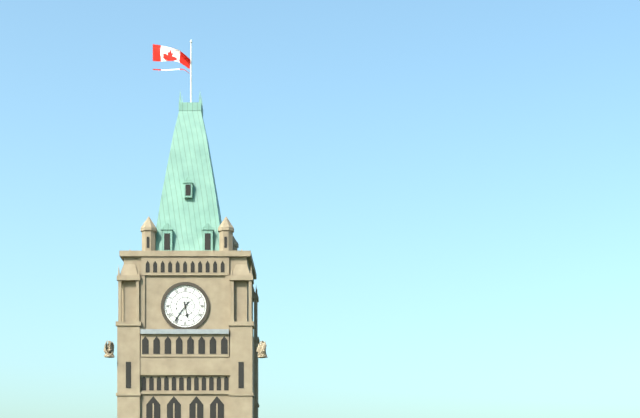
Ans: 5:36
